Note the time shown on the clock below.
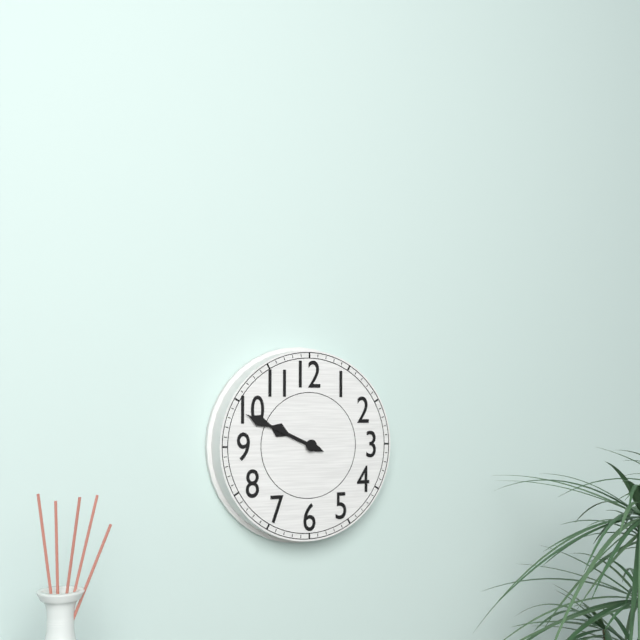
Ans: 9:49
